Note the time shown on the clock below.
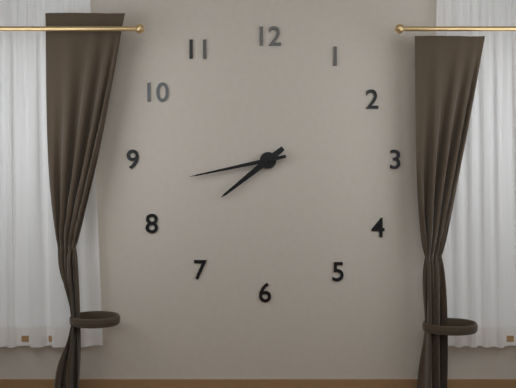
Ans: 7:43
